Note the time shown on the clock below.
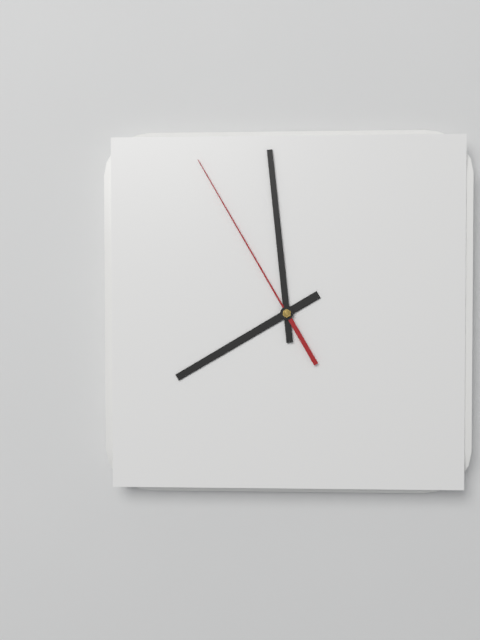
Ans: 7:59:55
